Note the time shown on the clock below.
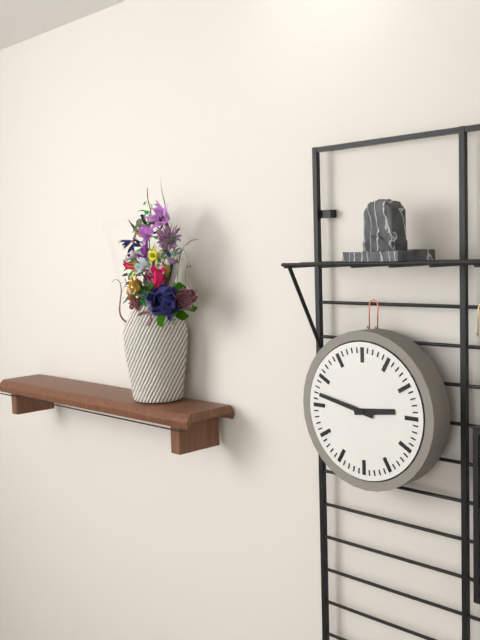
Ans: 2:47
